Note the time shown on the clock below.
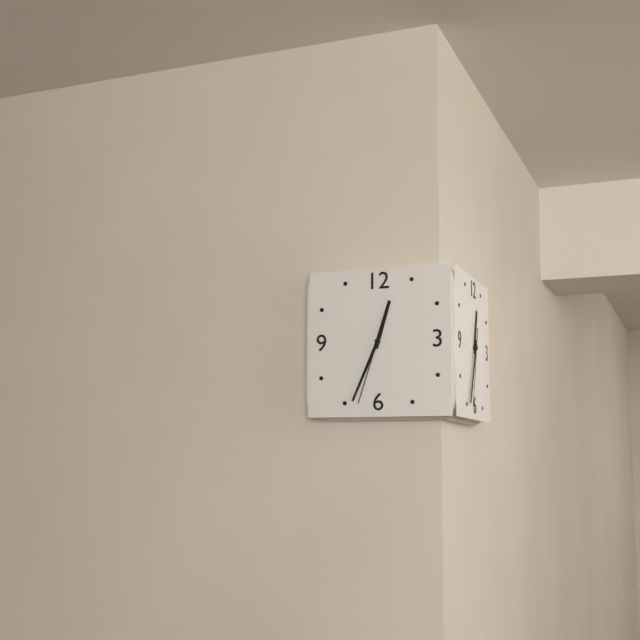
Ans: 12:34:33
